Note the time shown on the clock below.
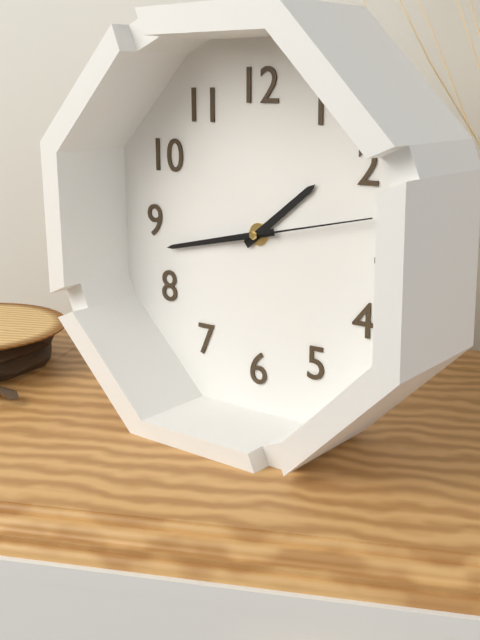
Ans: 1:43:13
